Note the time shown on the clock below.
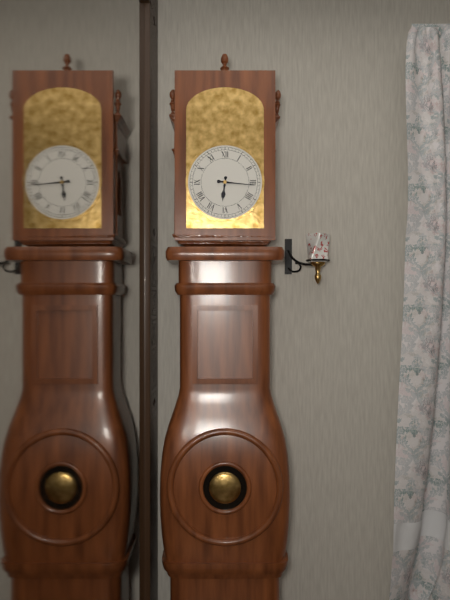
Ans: 6:16
